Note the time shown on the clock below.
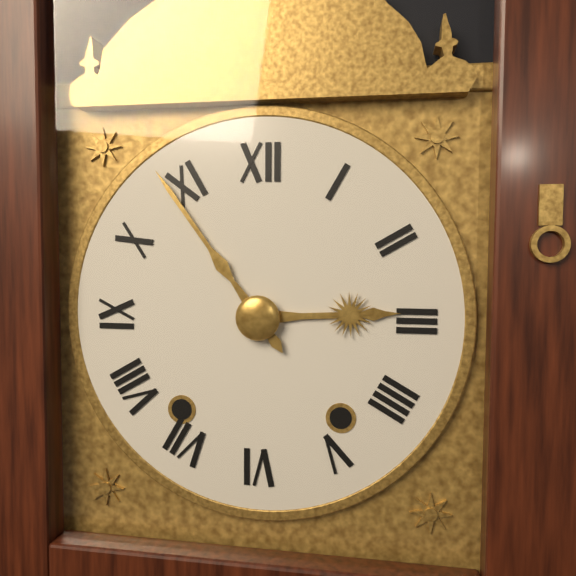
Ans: 2:54
